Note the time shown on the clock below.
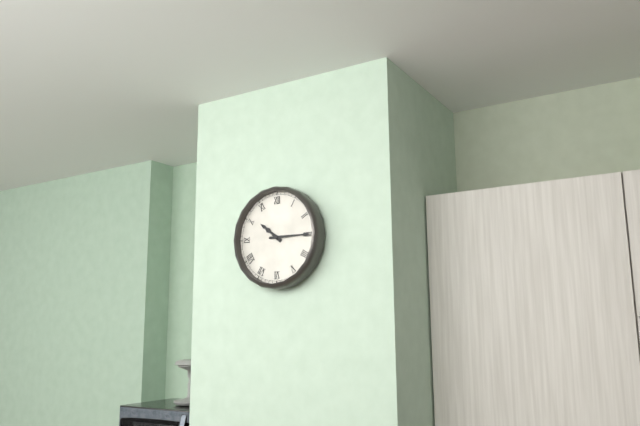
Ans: 10:15
